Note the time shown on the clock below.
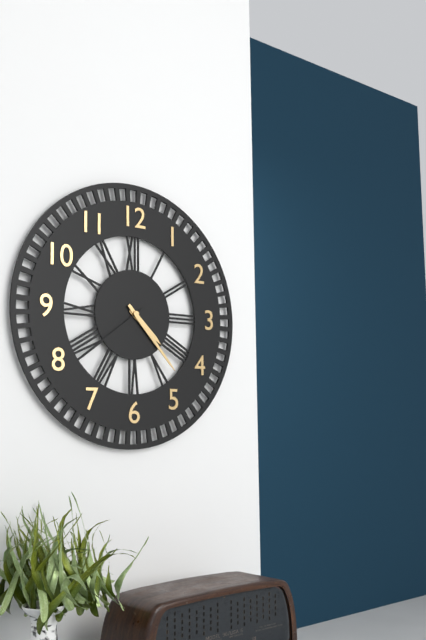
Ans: 4:23:39
